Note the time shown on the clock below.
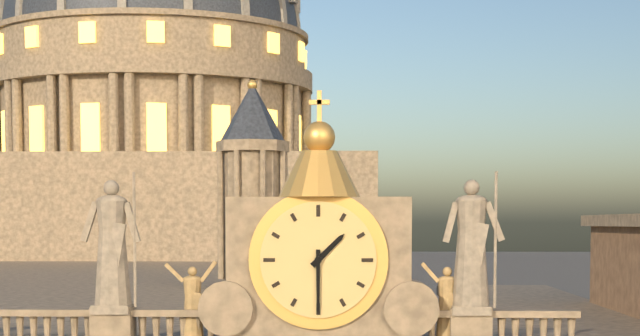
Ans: 1:30
